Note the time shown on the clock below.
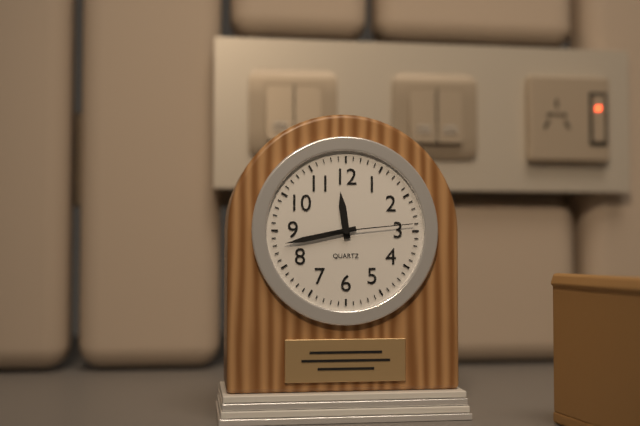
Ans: 11:43:14
